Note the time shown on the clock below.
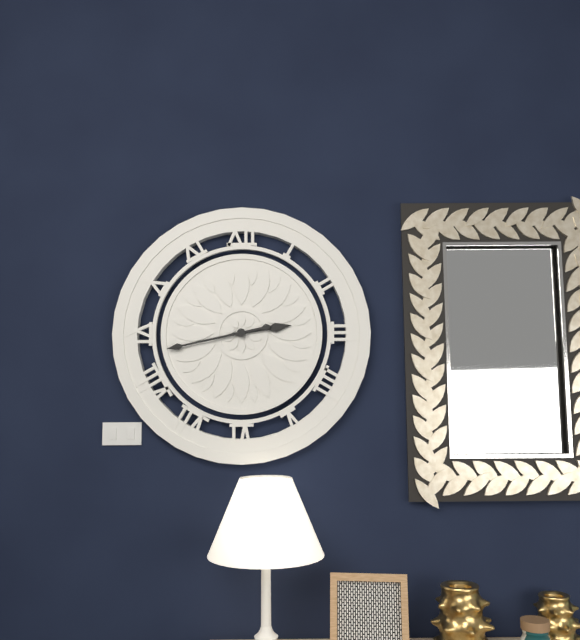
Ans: 2:43
